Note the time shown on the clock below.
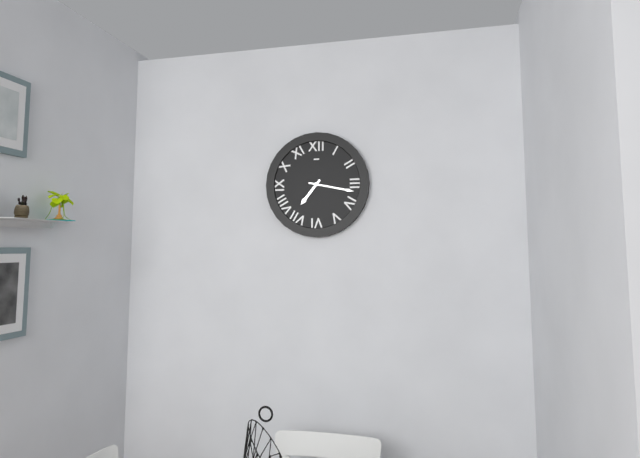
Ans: 7:17
